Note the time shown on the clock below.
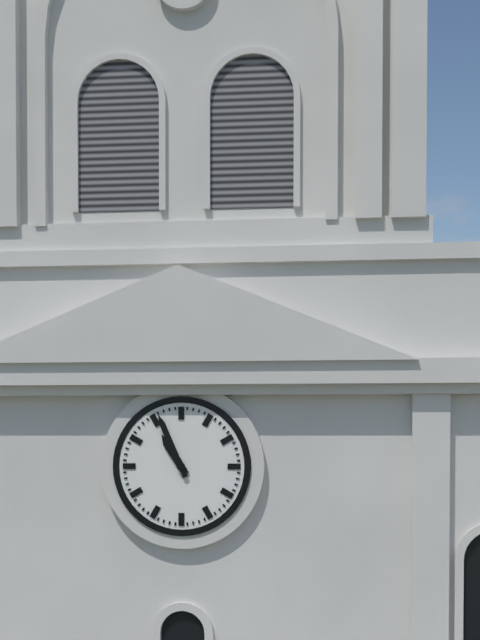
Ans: 10:56
